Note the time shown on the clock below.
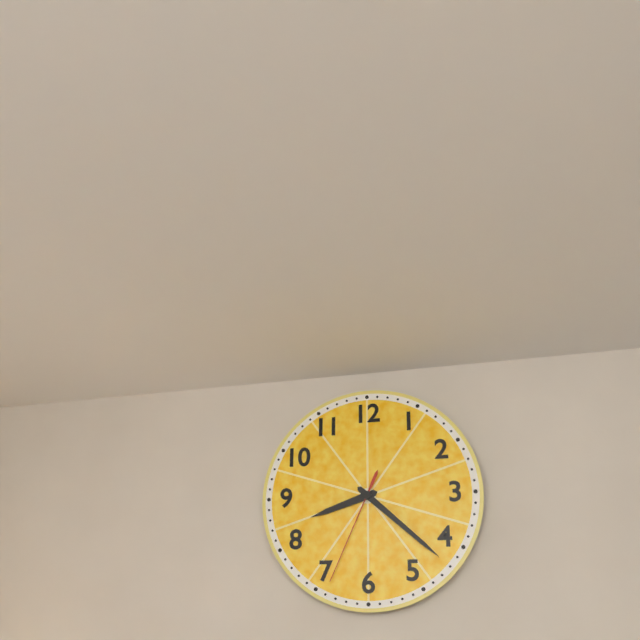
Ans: 8:22:34
